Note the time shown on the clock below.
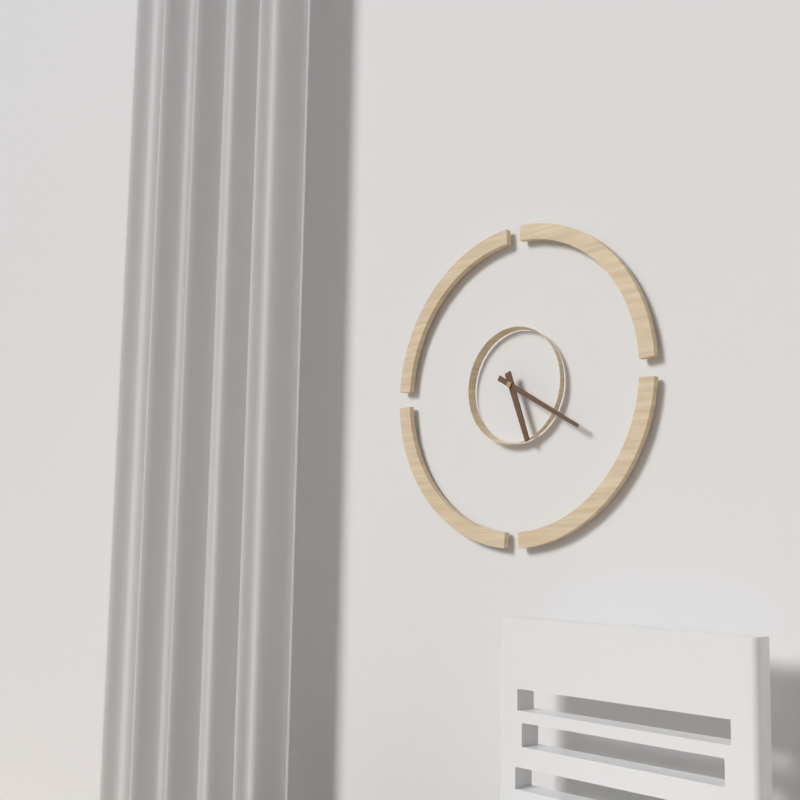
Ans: 5:20
